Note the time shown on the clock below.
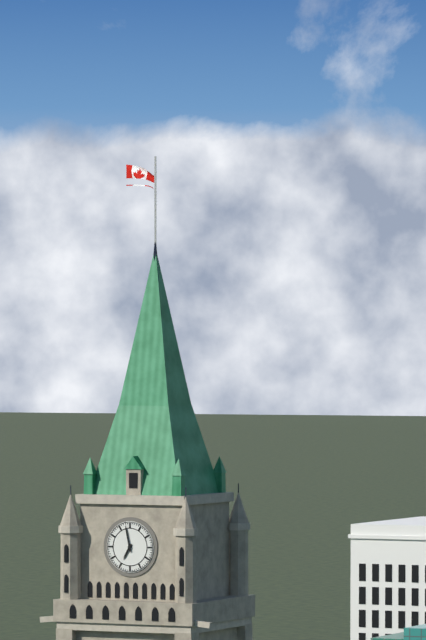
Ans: 6:58
